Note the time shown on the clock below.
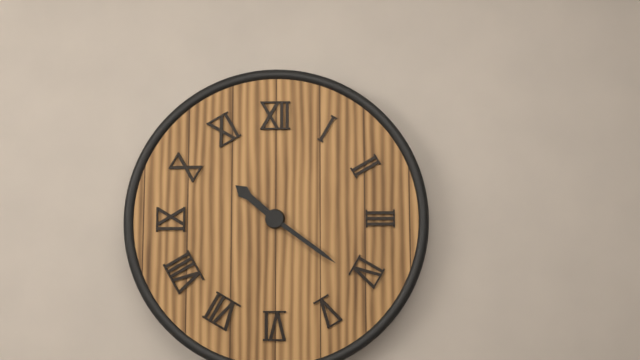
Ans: 10:21
